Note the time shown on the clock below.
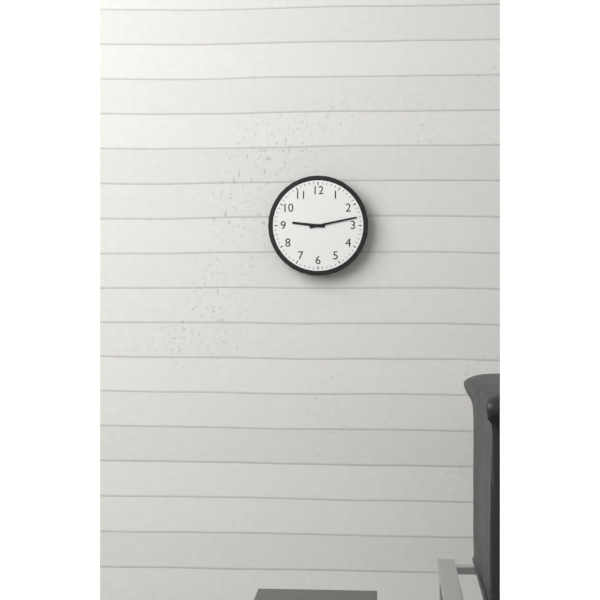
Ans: 9:13
